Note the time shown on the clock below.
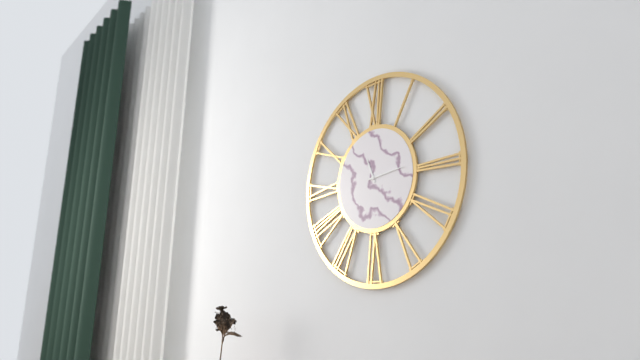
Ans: 11:14
